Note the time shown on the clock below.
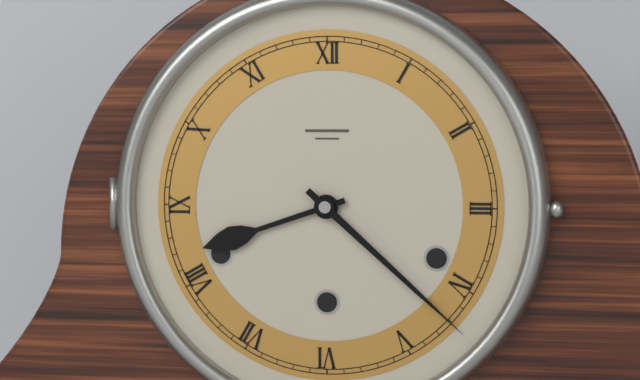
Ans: 8:22
